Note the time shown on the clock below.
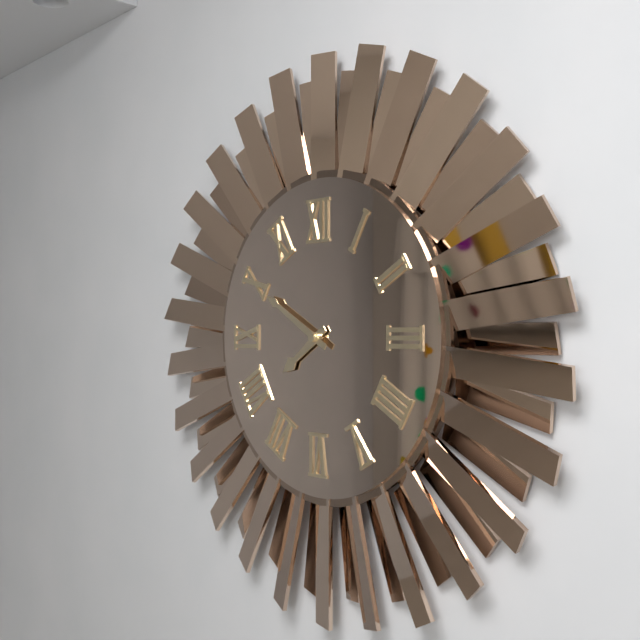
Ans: 7:50
